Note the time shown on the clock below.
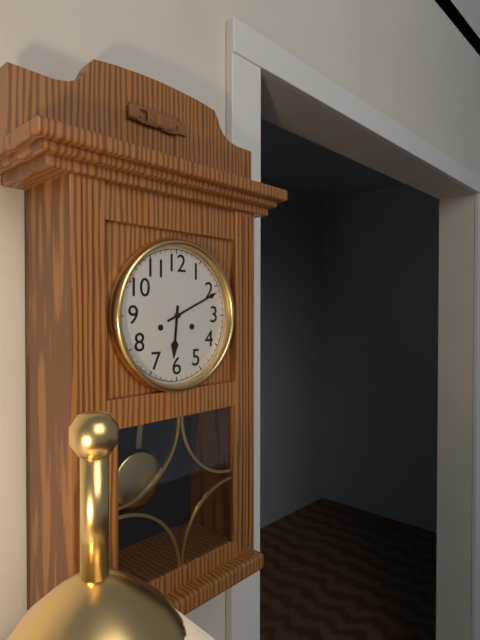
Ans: 6:11
